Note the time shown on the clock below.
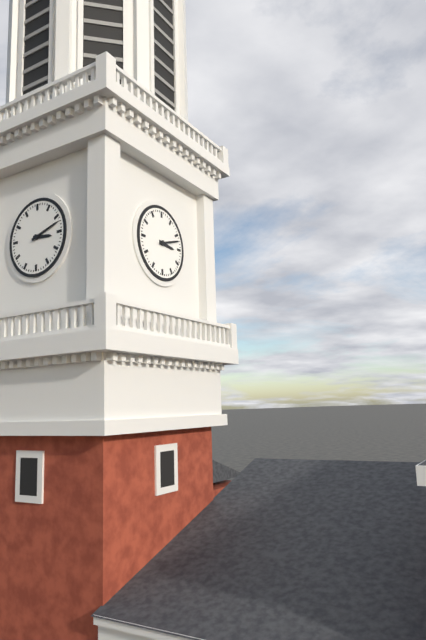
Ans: 3:12
